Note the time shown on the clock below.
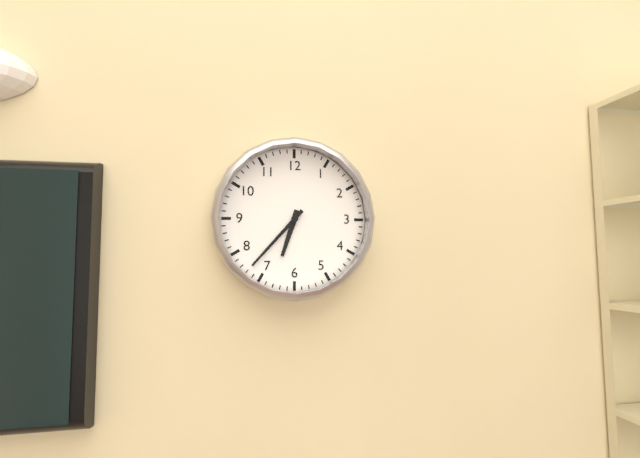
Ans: 6:37
